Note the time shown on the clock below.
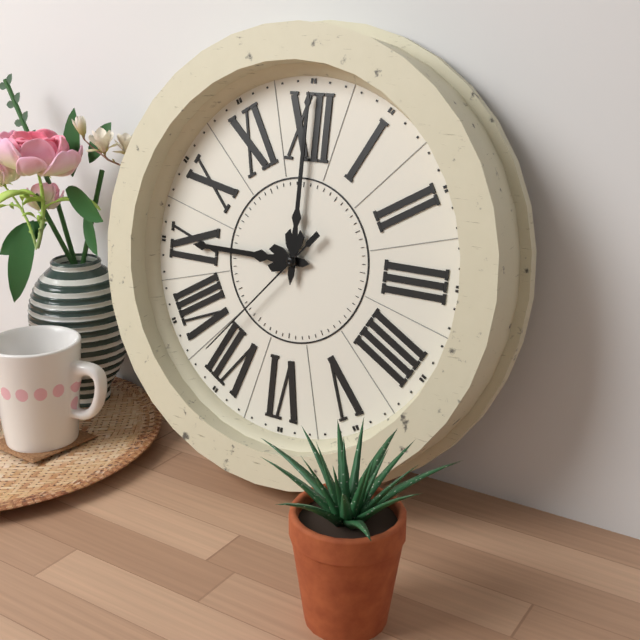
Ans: 9:00:37
